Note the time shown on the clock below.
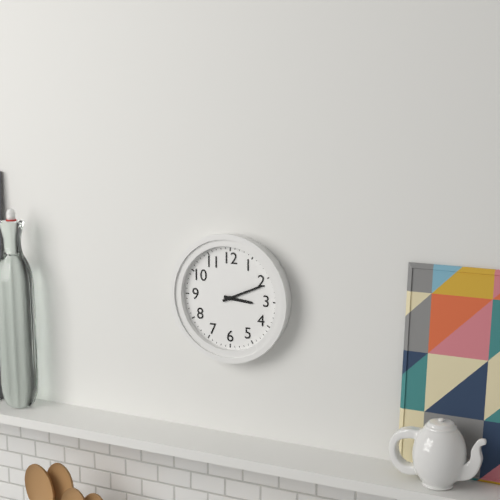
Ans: 3:11
